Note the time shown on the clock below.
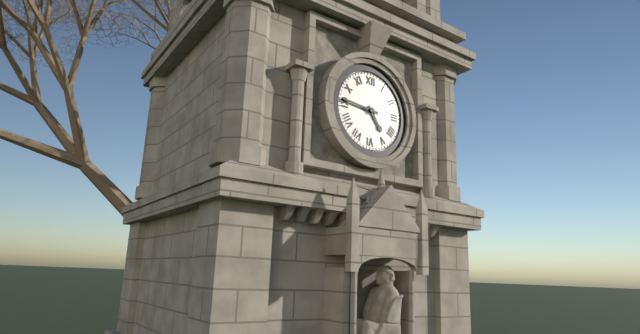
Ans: 4:46
